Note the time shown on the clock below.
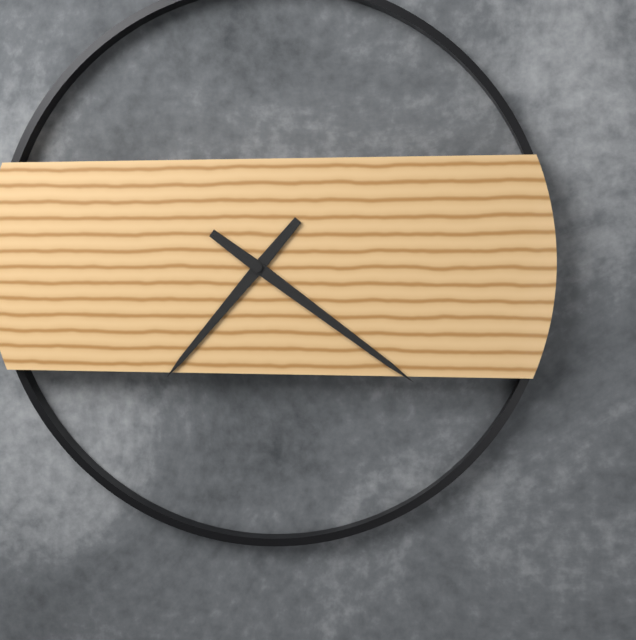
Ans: 7:21
